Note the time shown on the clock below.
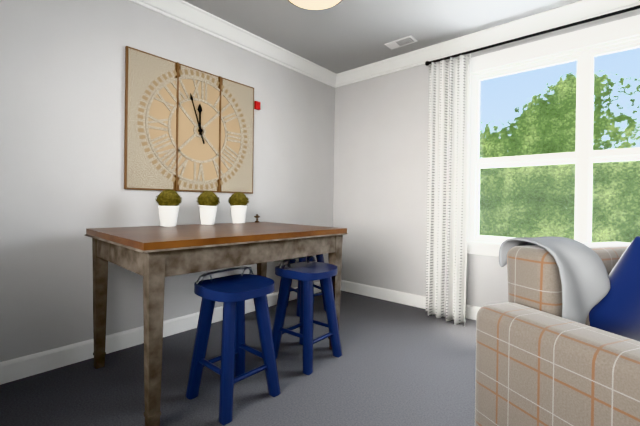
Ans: 11:57
